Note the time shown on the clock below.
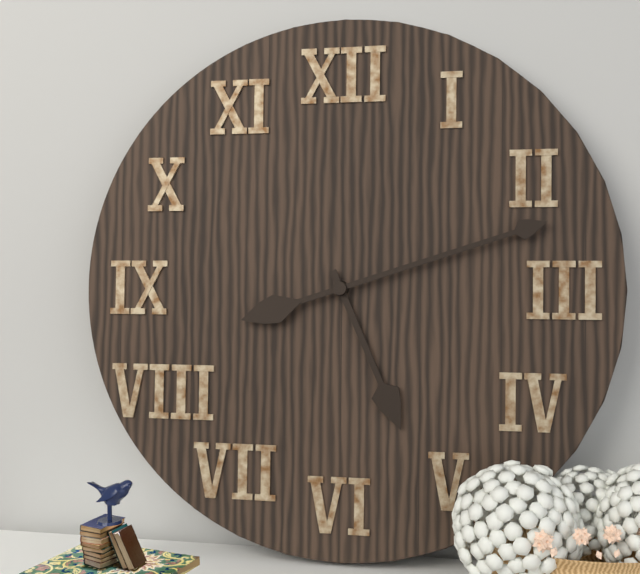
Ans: 5:12
